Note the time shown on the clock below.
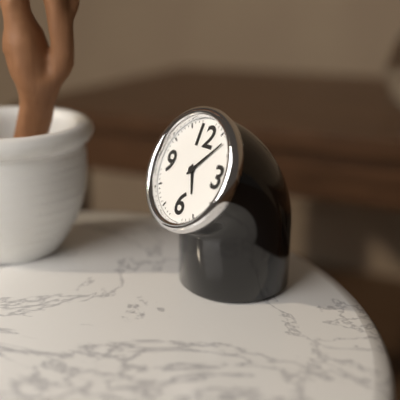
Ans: 5:07
